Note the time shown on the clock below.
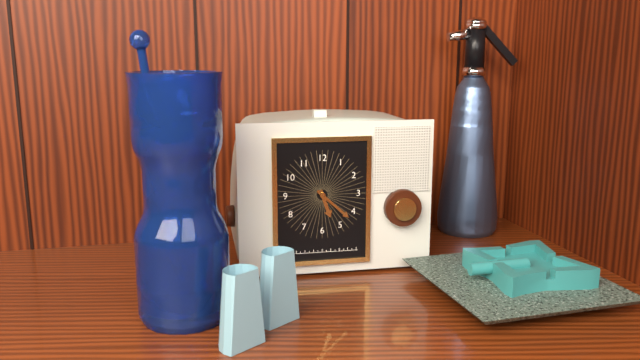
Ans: 5:22
